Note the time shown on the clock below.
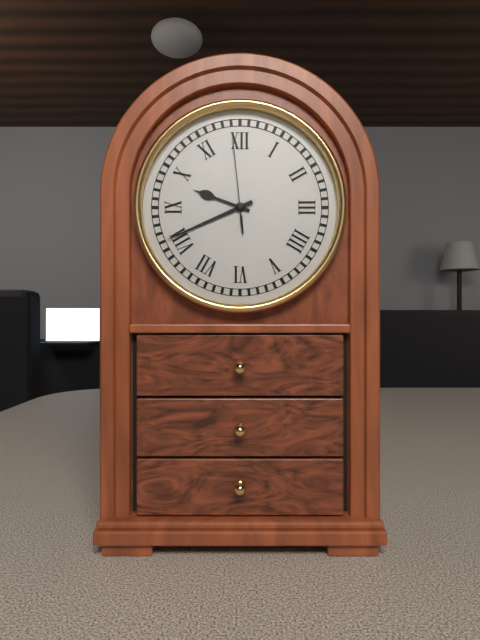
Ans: 9:41:59
